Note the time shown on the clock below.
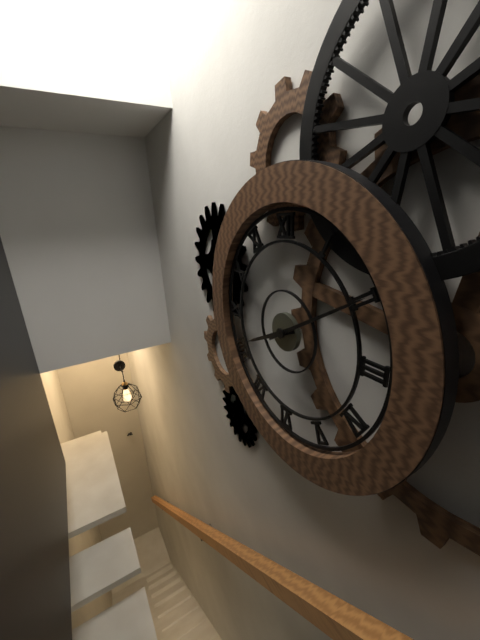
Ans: 8:10
